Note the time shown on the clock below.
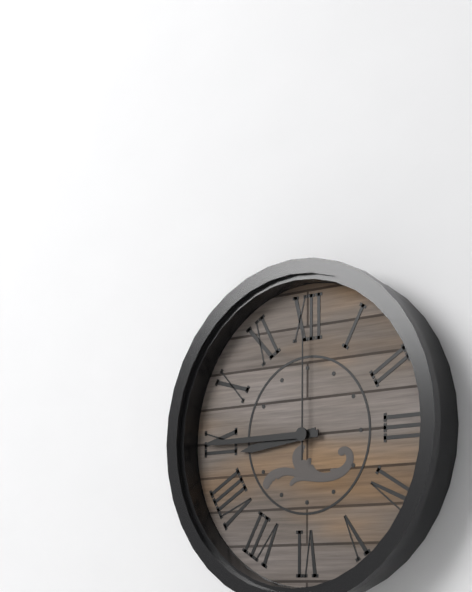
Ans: 8:45:00
